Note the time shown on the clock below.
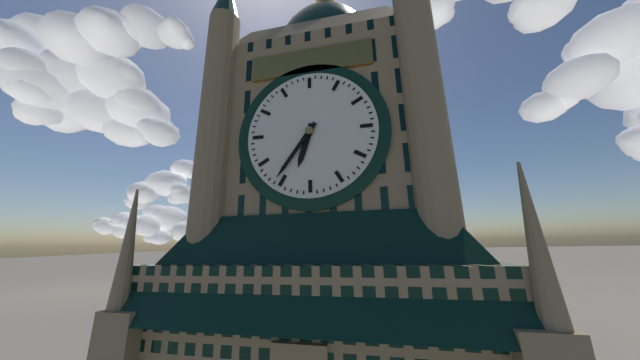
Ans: 6:36
